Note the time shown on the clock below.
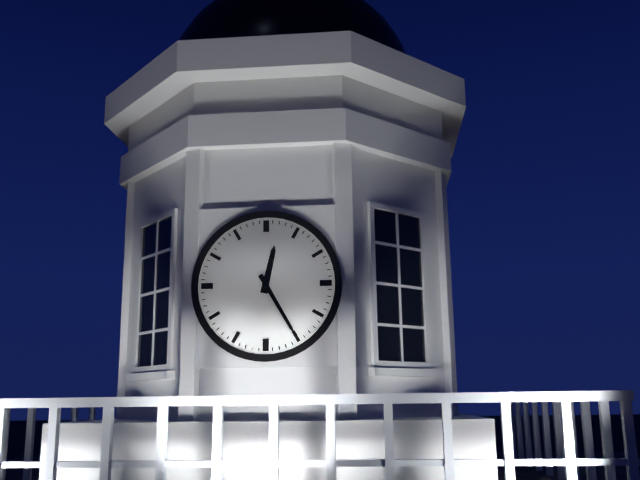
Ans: 12:25
